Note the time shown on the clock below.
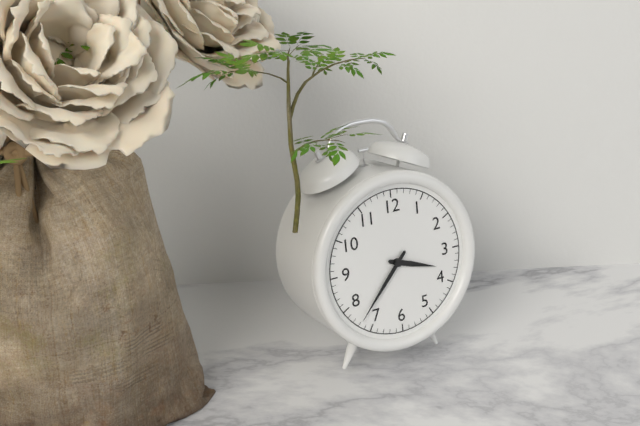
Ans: 3:37
